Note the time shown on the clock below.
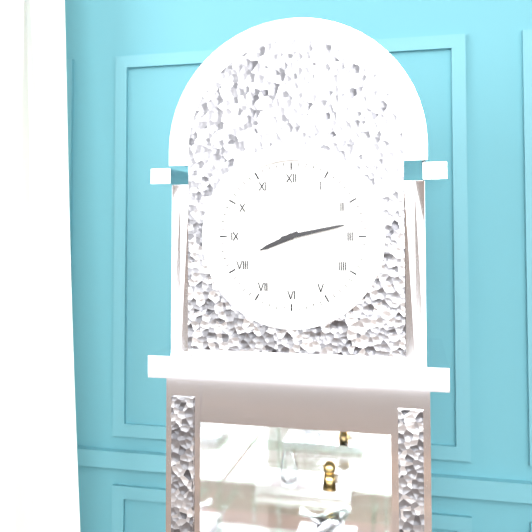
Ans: 8:13
